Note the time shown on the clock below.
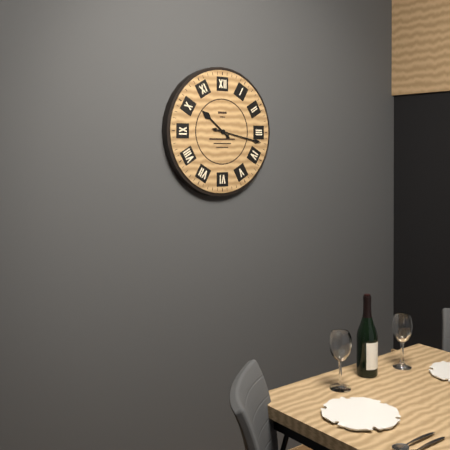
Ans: 10:17
